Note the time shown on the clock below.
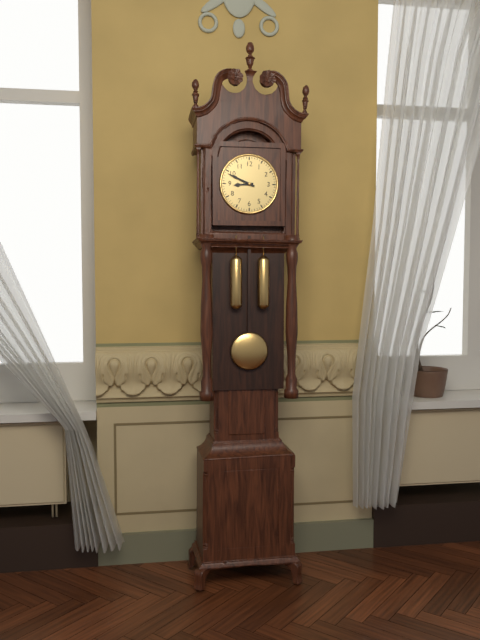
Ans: 8:49
